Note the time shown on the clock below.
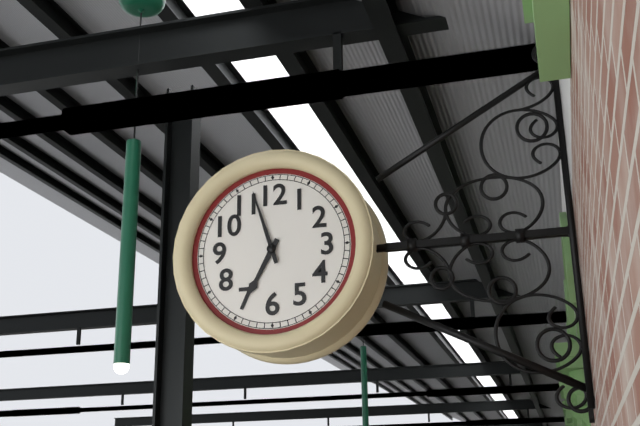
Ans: 6:57
